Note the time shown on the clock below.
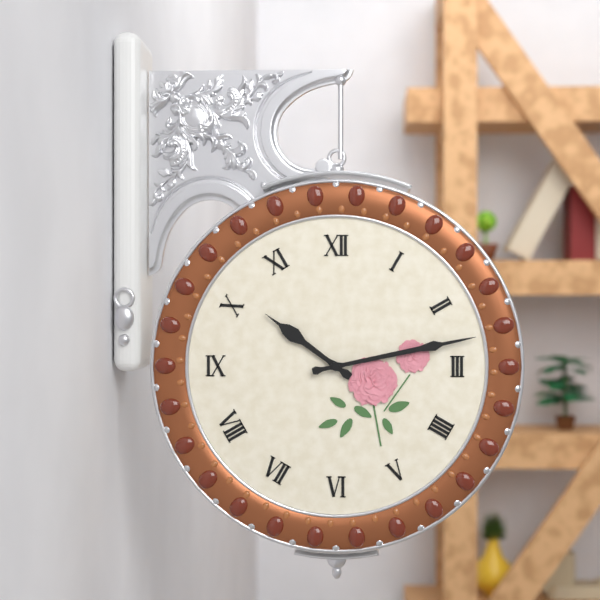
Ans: 10:13
